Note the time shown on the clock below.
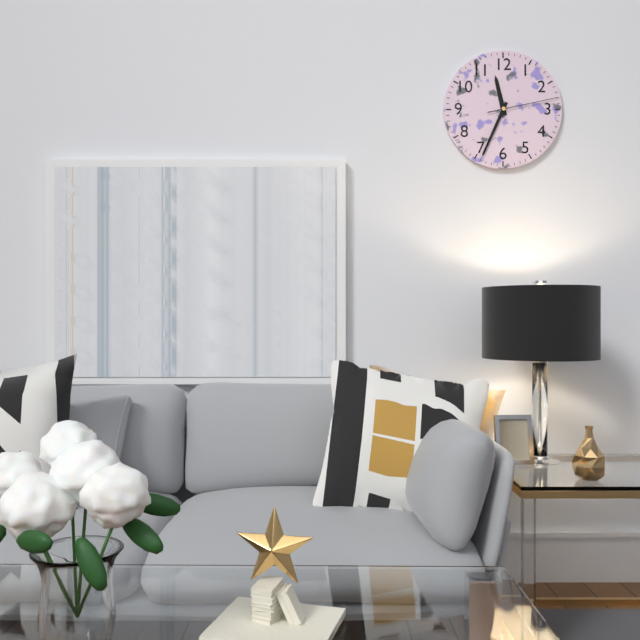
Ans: 11:34:13
